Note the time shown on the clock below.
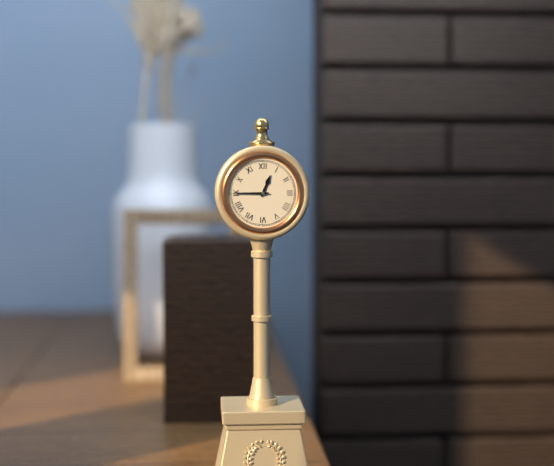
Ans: 12:45
